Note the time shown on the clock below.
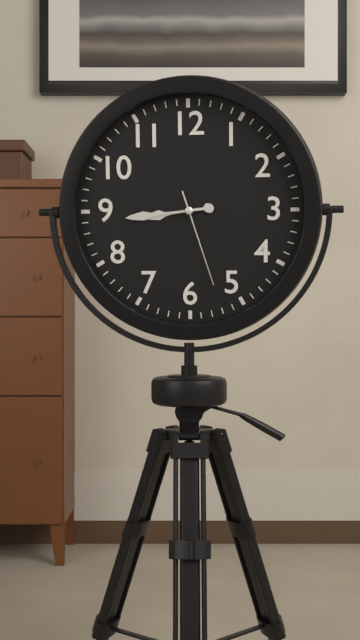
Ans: 8:44:27
